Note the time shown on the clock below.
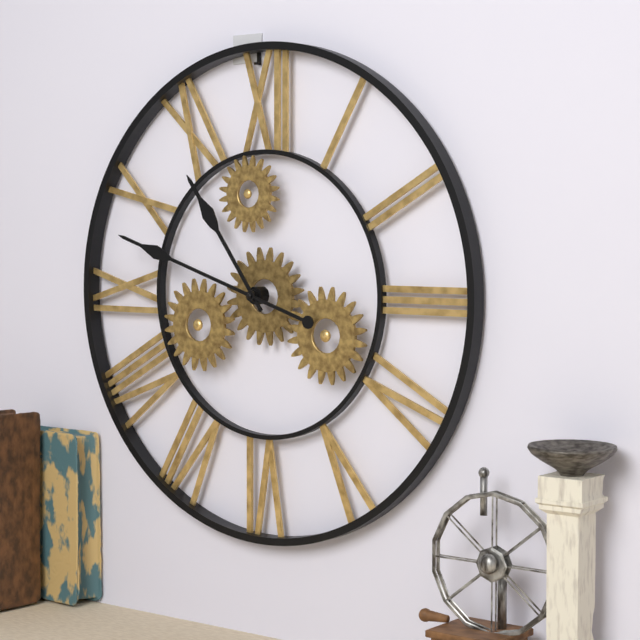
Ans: 10:48
